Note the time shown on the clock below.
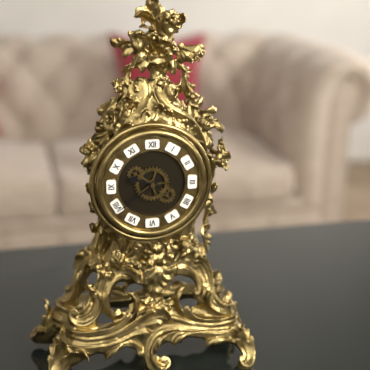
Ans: 9:39
